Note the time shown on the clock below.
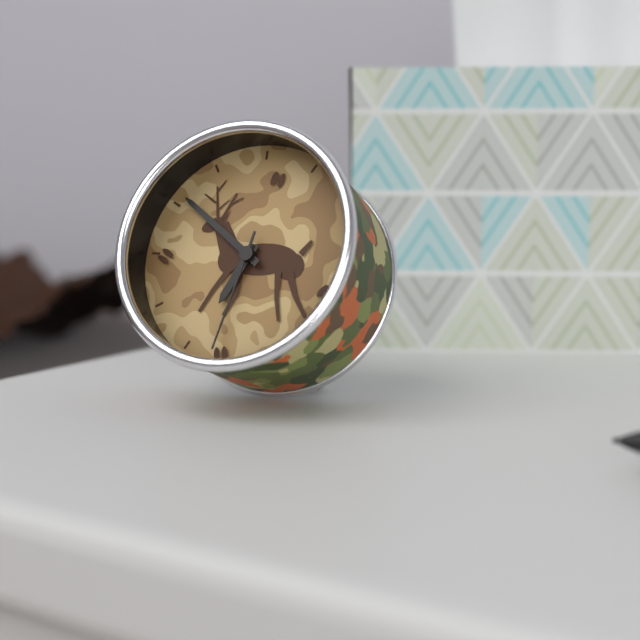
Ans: 6:51:32
